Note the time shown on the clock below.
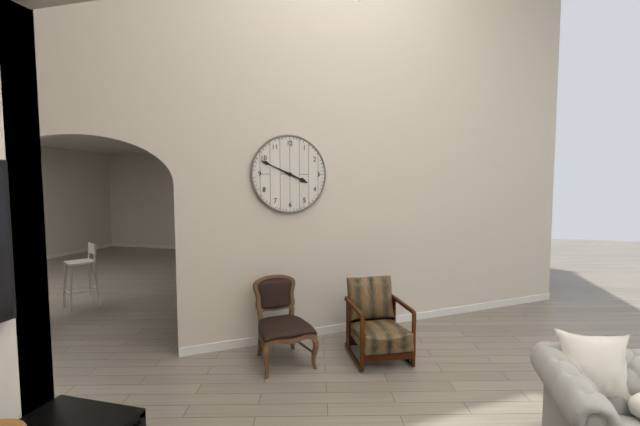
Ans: 3:49
